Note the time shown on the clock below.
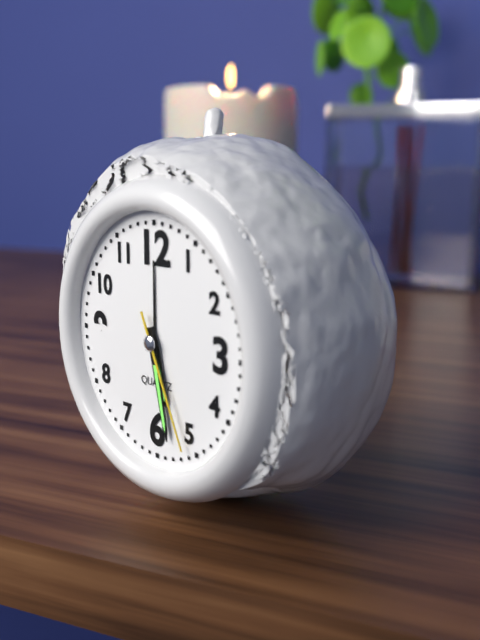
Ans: 5:28:26
